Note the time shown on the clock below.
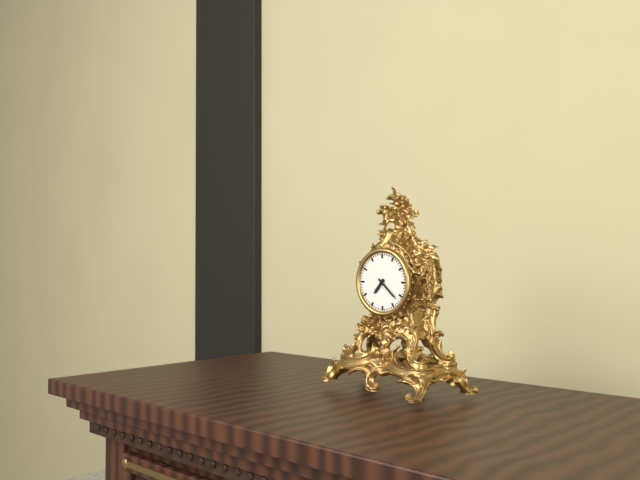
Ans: 7:22
